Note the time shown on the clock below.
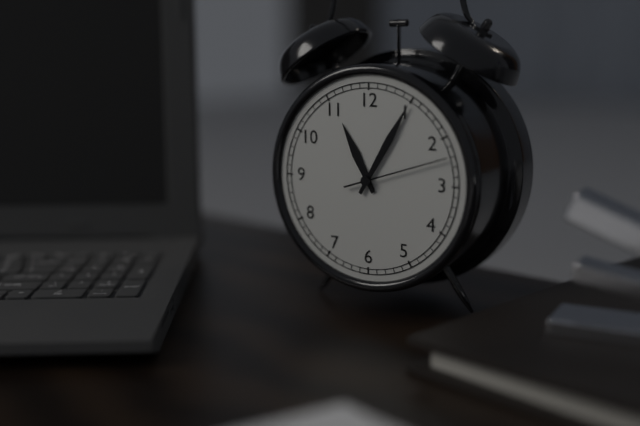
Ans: 11:05:12
